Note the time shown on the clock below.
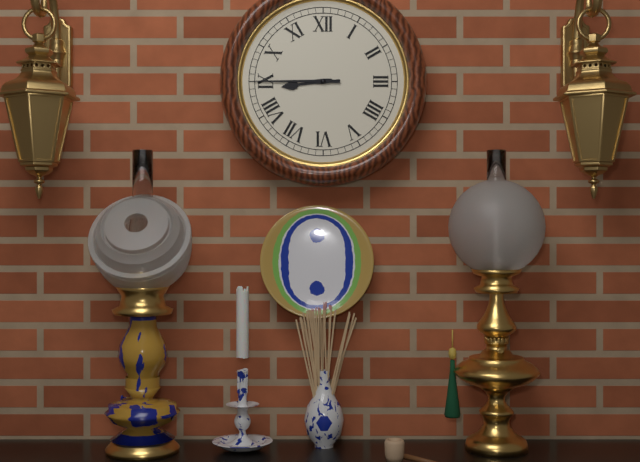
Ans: 8:45
